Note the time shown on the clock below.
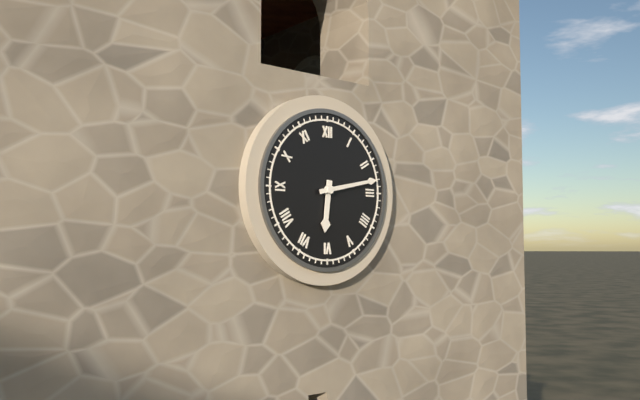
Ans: 6:13
